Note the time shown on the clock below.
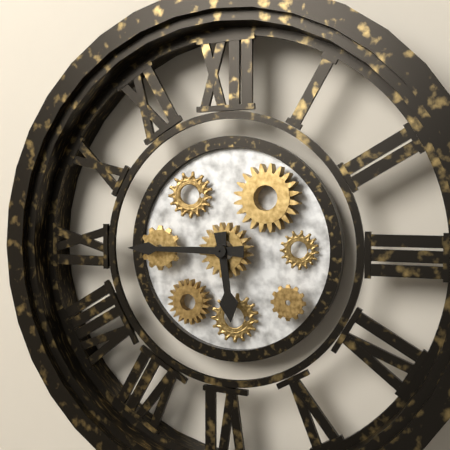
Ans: 5:45
